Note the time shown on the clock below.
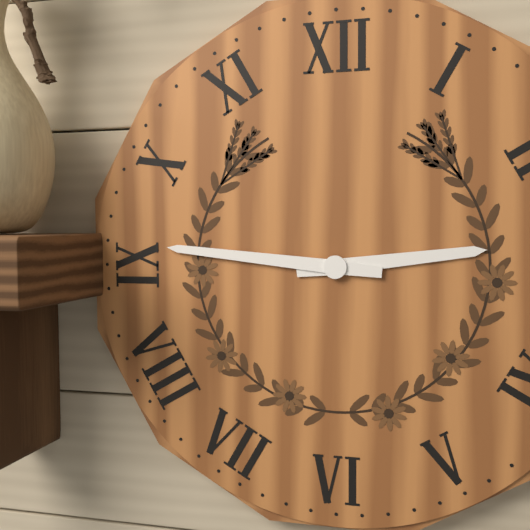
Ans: 2:46
